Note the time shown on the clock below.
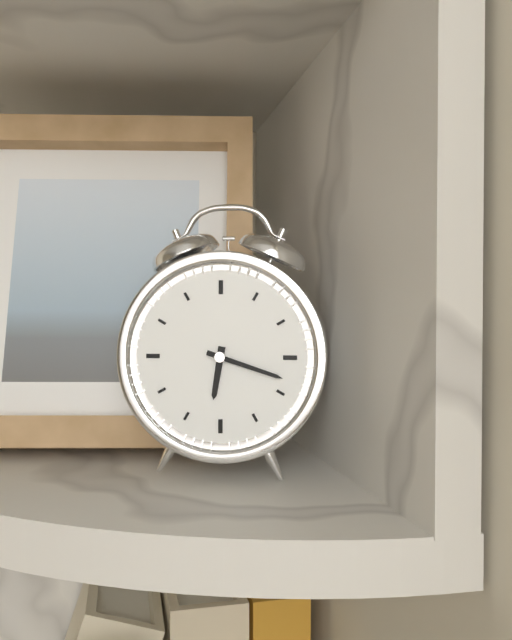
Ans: 6:18
